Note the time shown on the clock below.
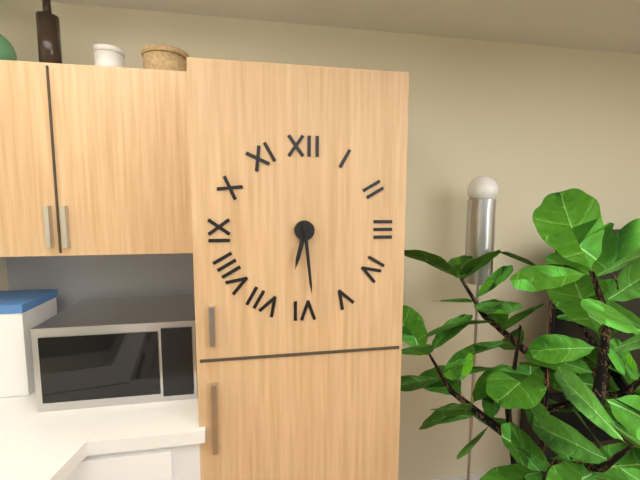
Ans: 6:29
